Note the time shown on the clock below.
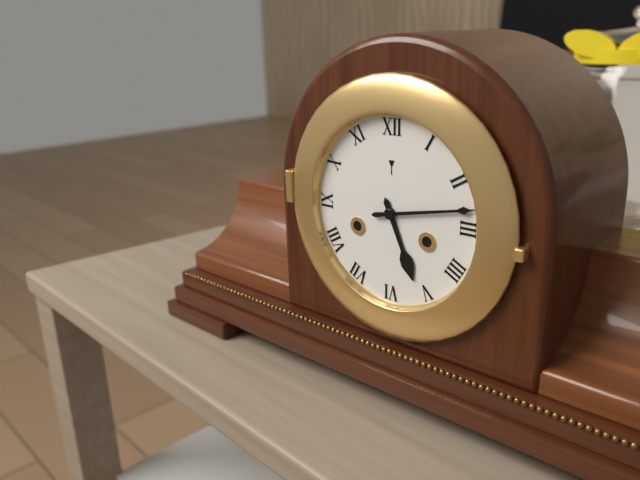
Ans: 5:13
